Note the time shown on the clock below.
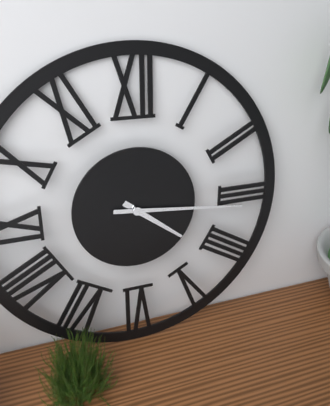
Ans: 4:16
